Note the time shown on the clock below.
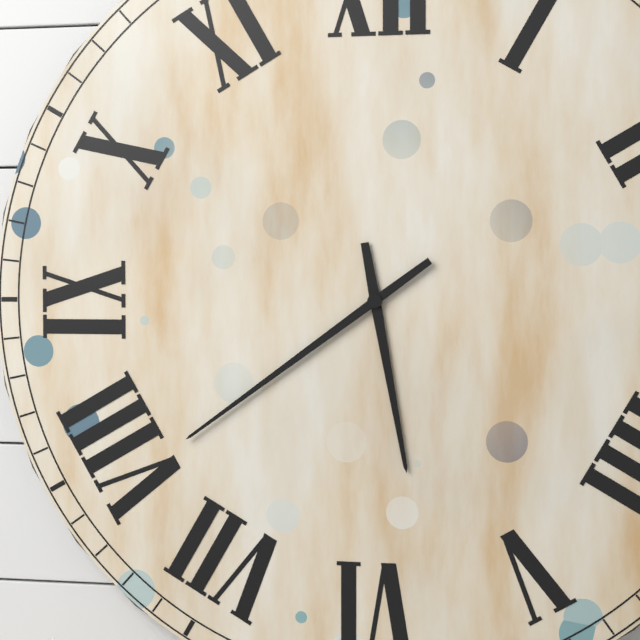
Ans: 5:39
